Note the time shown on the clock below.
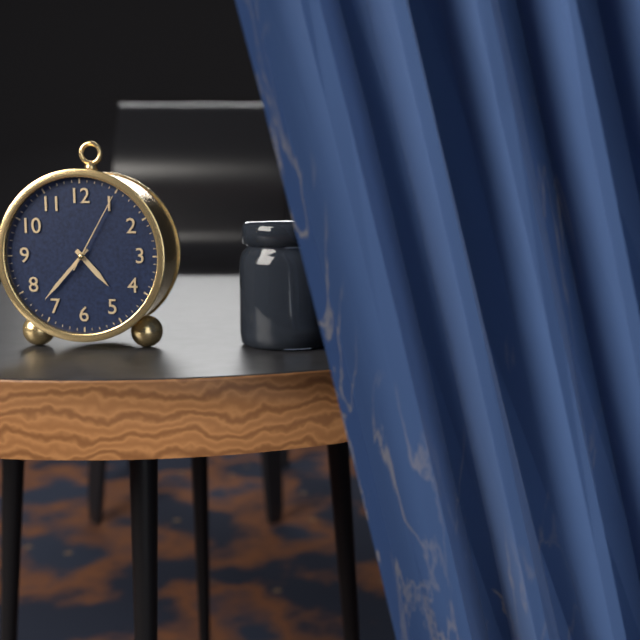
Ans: 4:37:05
